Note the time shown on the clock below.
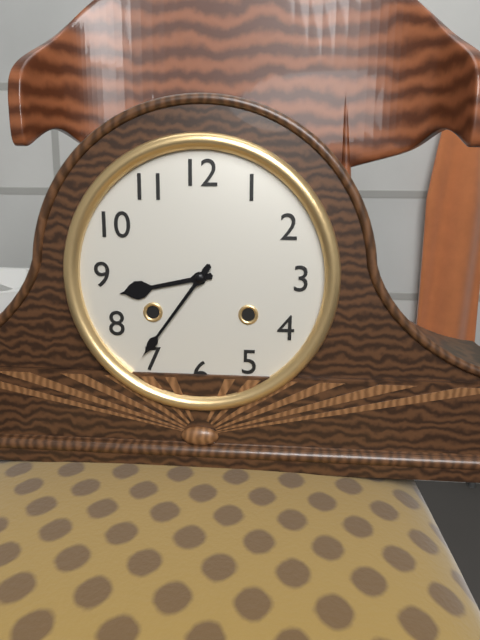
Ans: 8:36
